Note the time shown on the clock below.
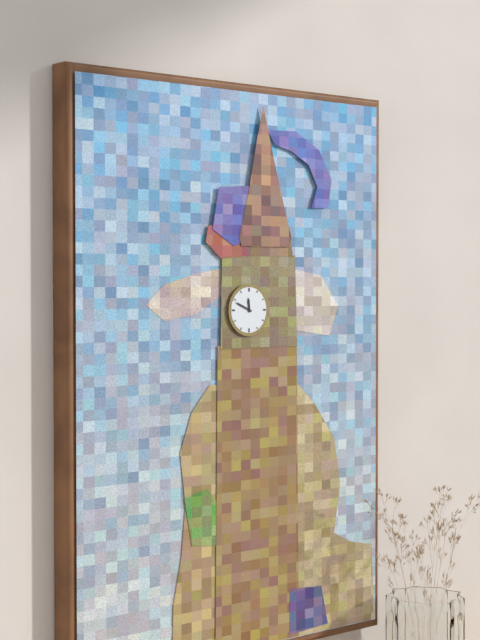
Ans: 11:49
